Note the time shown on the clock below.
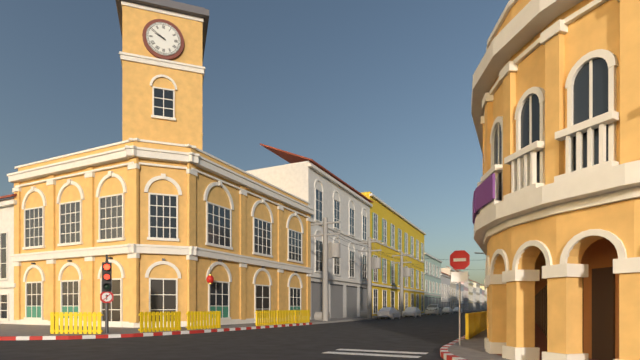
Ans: 9:51
